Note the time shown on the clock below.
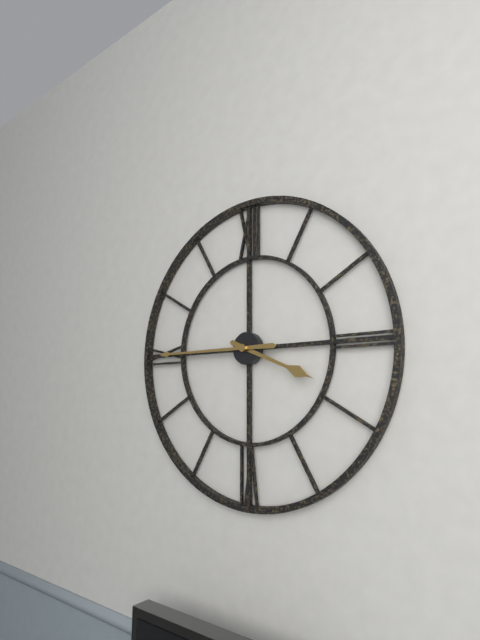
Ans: 3:45
